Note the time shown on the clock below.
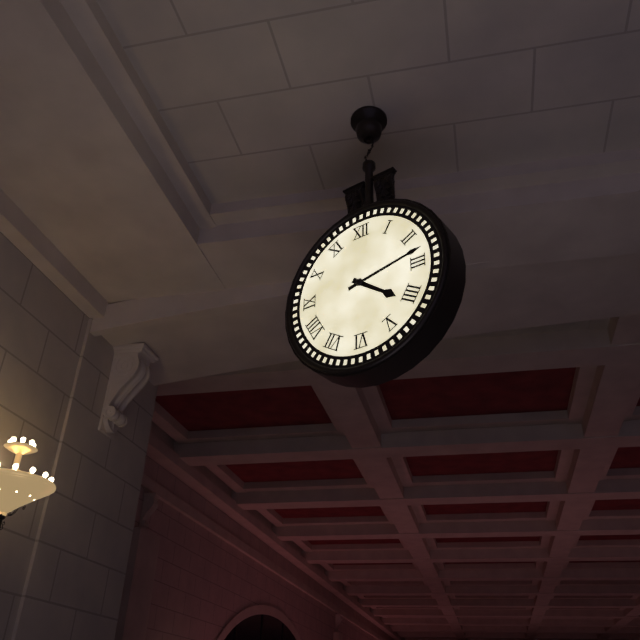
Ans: 4:13
